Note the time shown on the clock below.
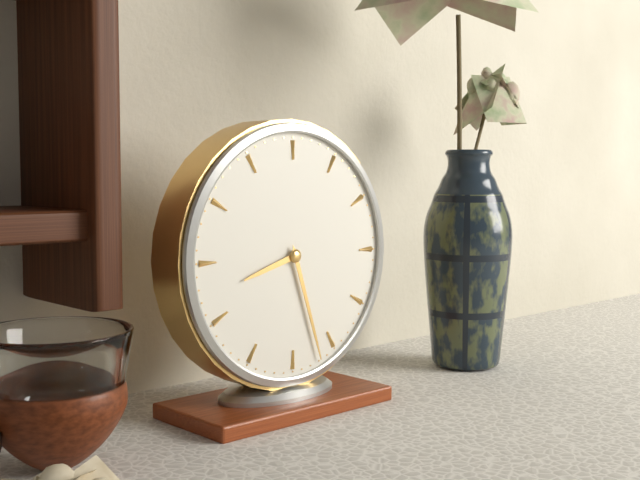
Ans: 8:27
